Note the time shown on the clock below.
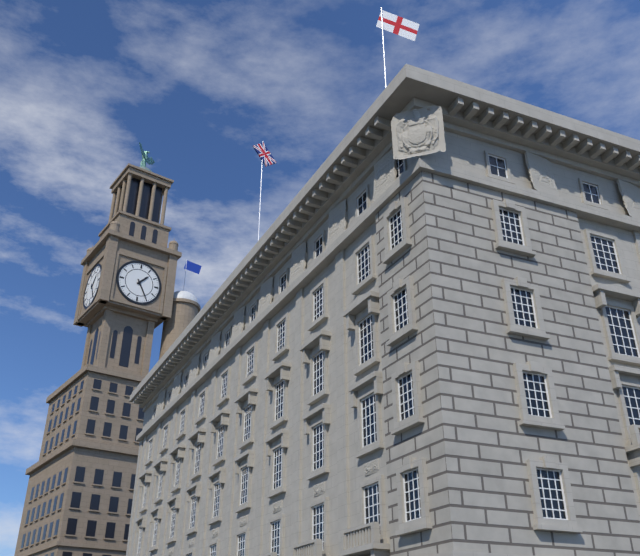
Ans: 1:25
